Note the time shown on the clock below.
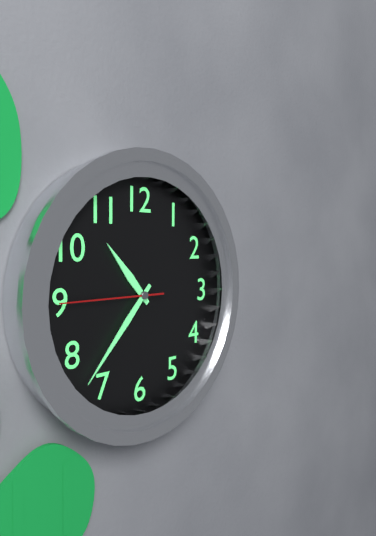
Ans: 10:37:45
